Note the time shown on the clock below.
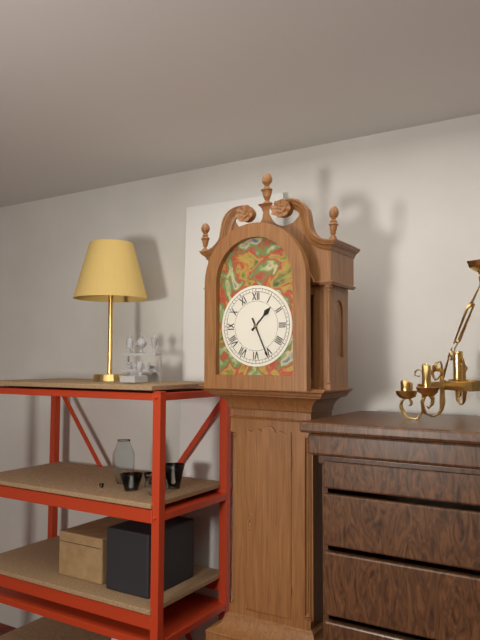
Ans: 1:26
